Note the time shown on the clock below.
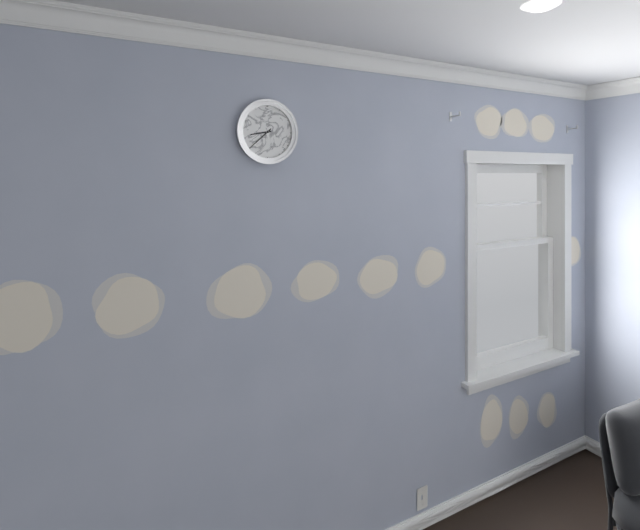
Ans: 8:38
